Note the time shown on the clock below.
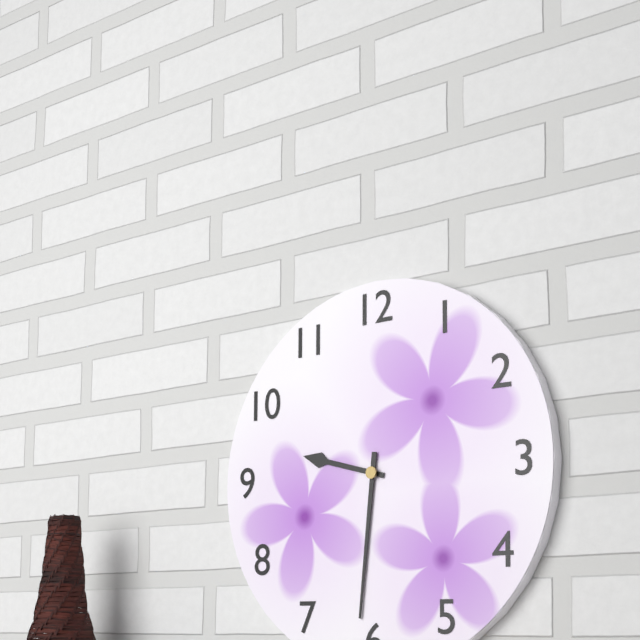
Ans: 9:31
